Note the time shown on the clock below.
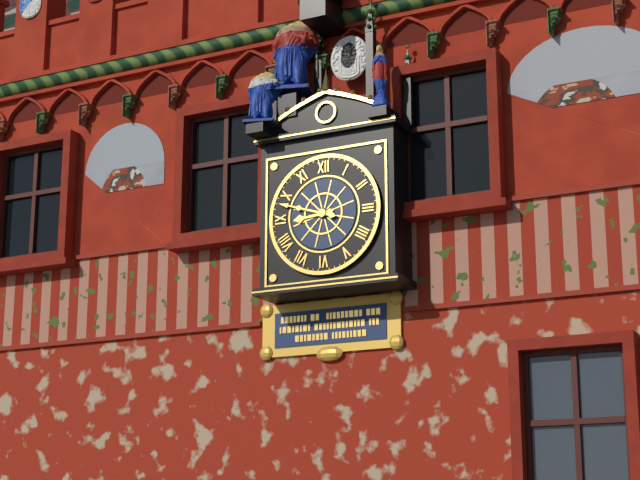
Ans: 8:48
